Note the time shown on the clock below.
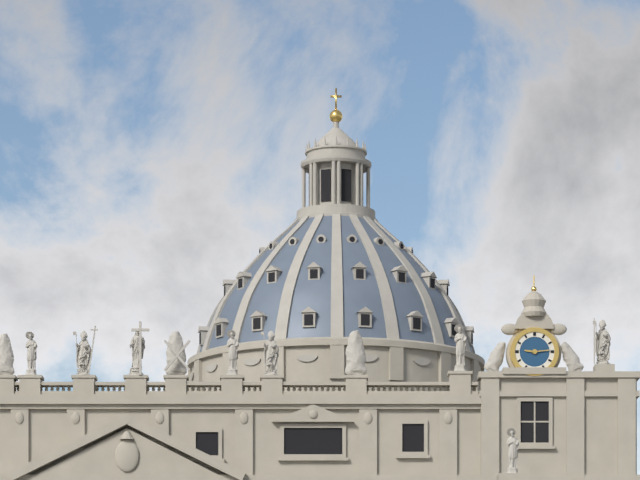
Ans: 9:14
